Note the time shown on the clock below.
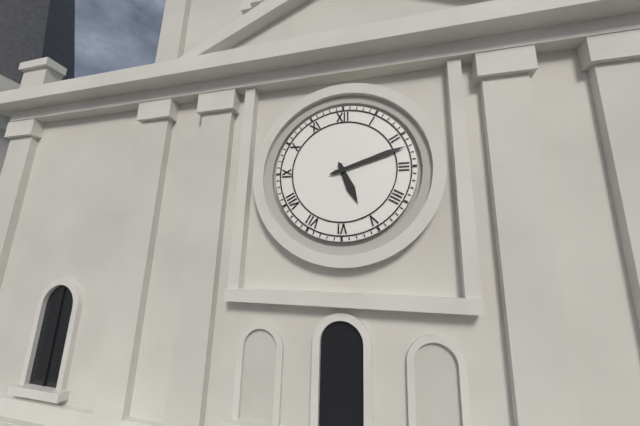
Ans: 5:12
